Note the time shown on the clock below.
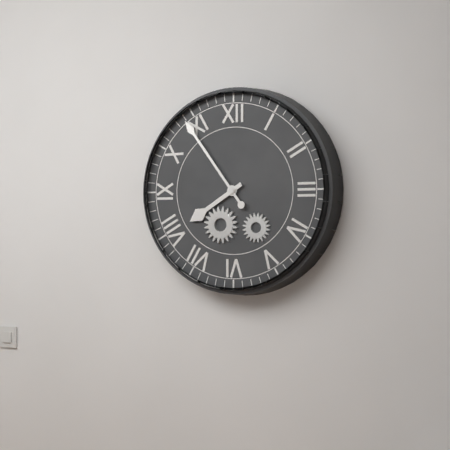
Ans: 7:54
